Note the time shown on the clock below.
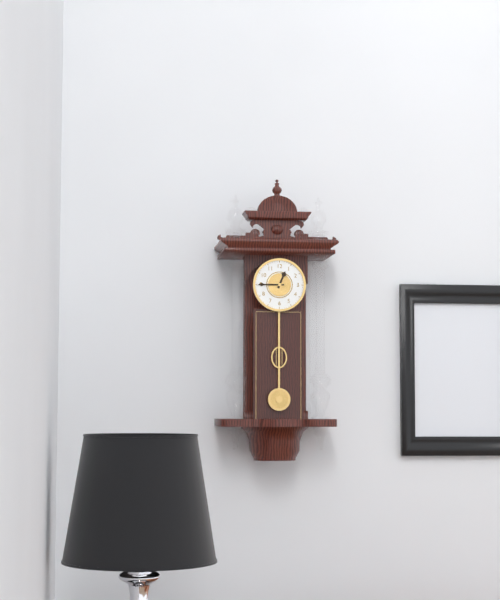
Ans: 12:45
